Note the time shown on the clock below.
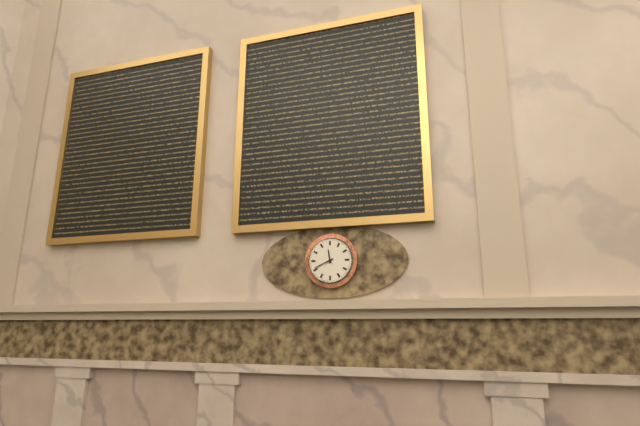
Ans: 11:41
